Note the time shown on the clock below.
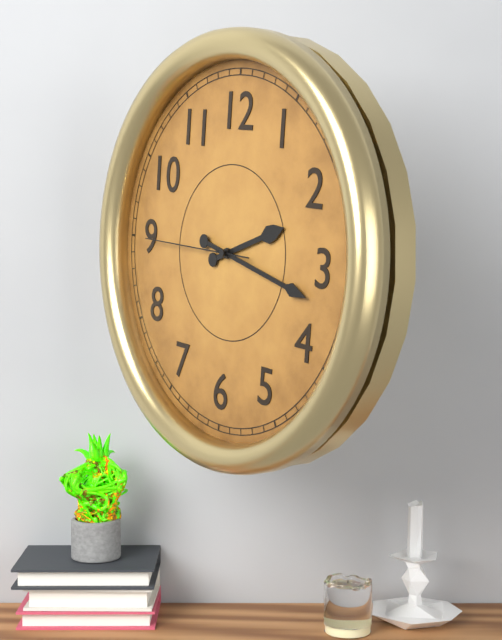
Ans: 2:17:45
